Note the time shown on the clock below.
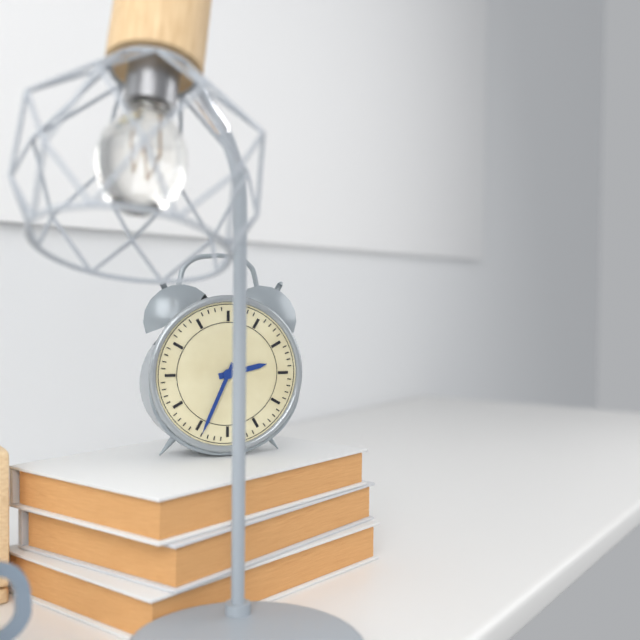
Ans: 2:34
